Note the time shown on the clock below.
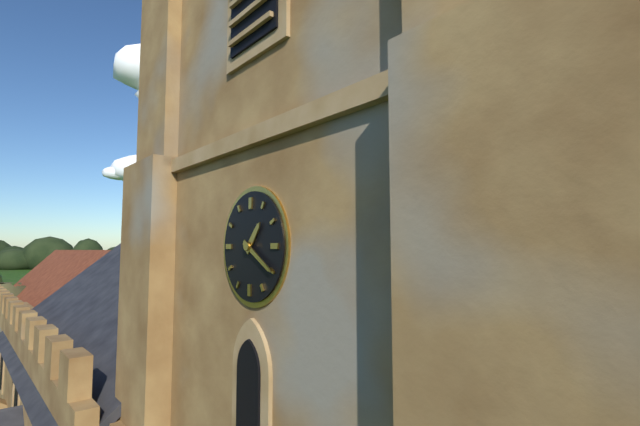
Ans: 1:20
